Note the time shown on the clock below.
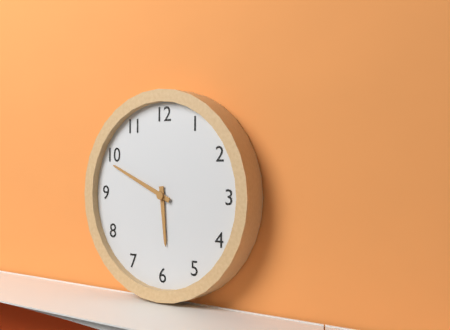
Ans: 5:49
